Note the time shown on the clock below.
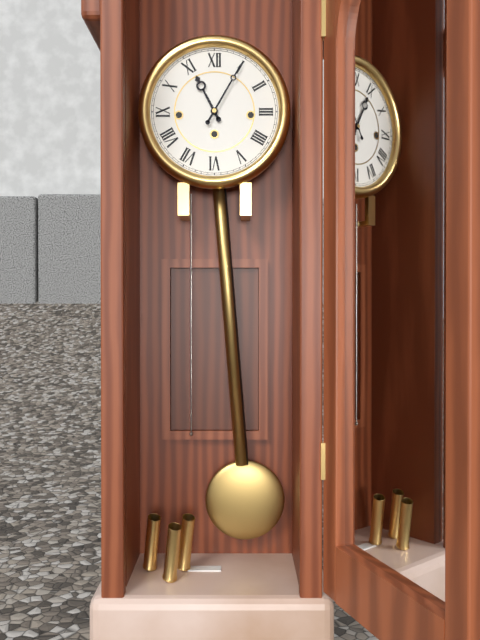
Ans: 11:05
